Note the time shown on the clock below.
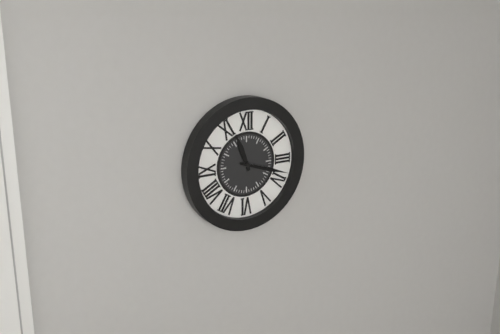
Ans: 11:18
